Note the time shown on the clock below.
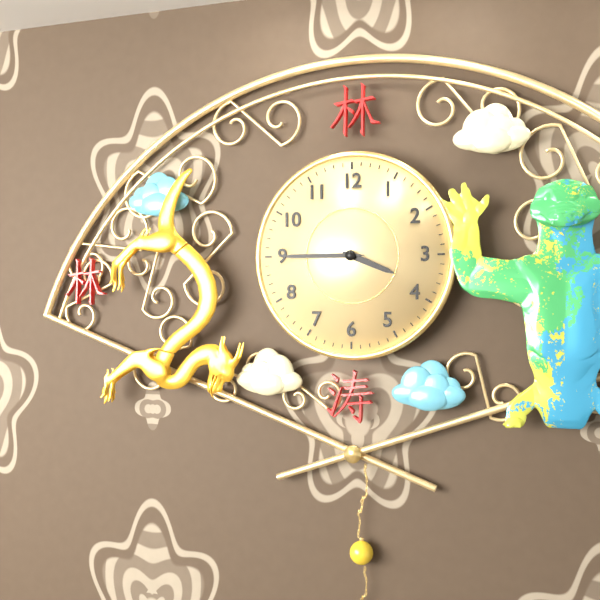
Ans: 3:45
